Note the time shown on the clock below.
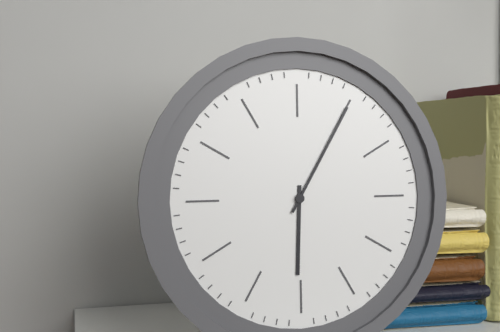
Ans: 6:05
